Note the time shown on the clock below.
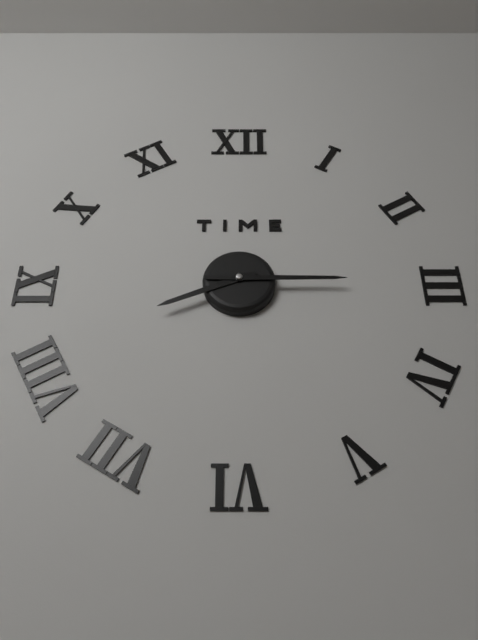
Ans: 8:15
